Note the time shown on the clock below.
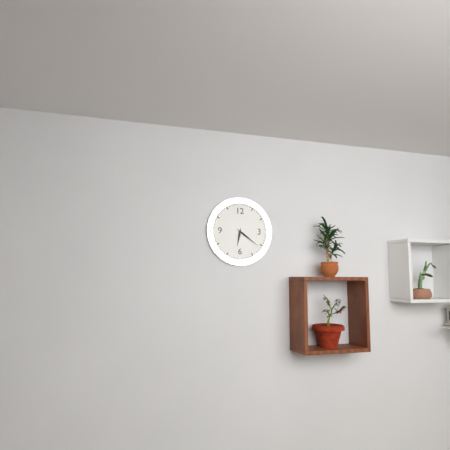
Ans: 6:21
